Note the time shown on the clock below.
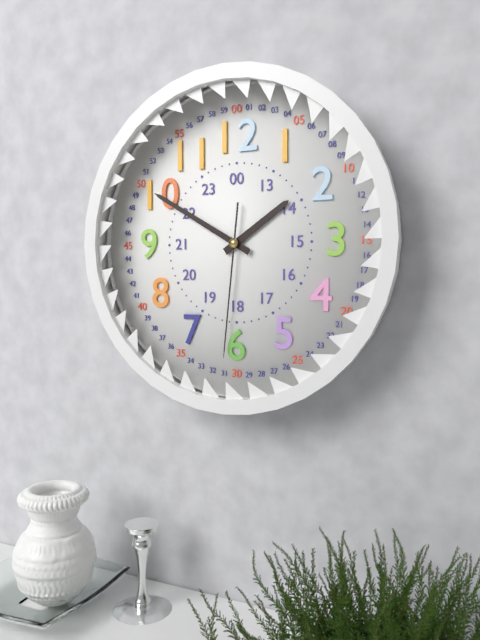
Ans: 1:50:31
